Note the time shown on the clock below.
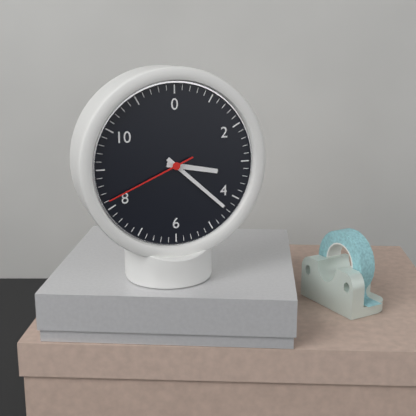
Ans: 3:22:41
